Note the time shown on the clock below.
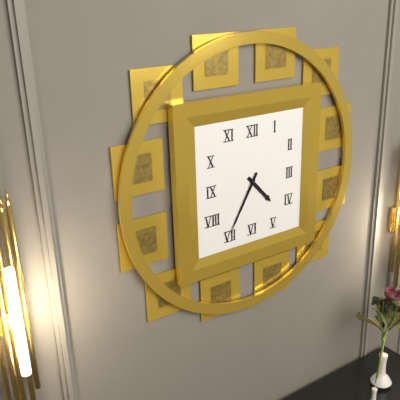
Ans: 4:35
